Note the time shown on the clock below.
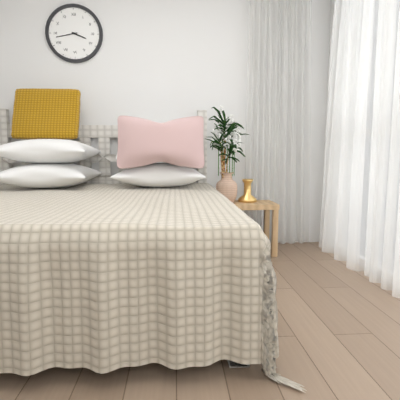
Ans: 3:43
